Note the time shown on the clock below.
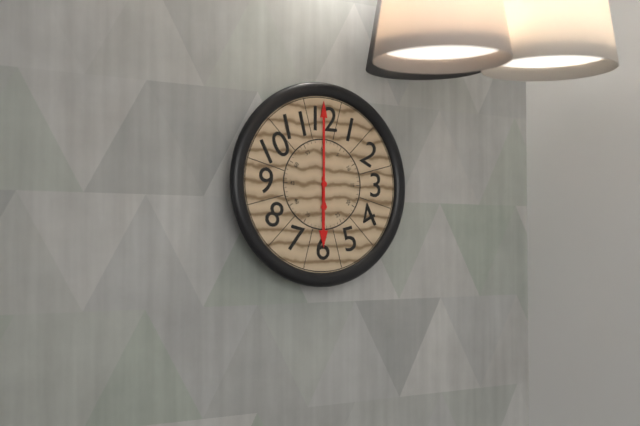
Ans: 6:00
